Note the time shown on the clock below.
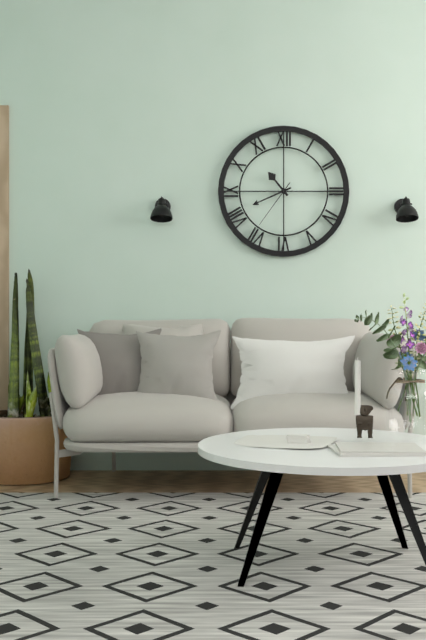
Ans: 10:41:36
